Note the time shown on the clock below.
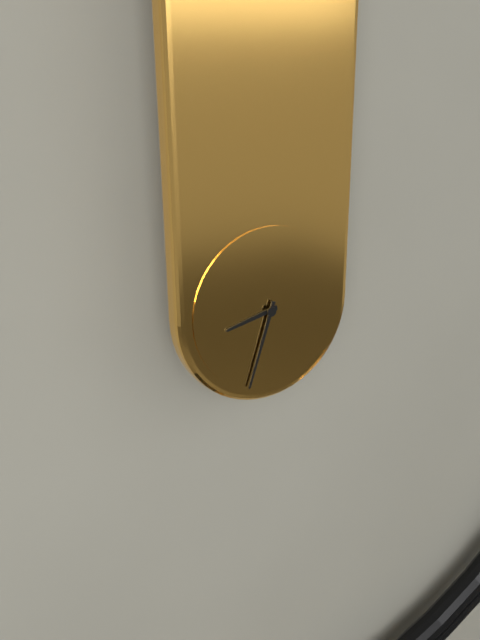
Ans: 8:33
